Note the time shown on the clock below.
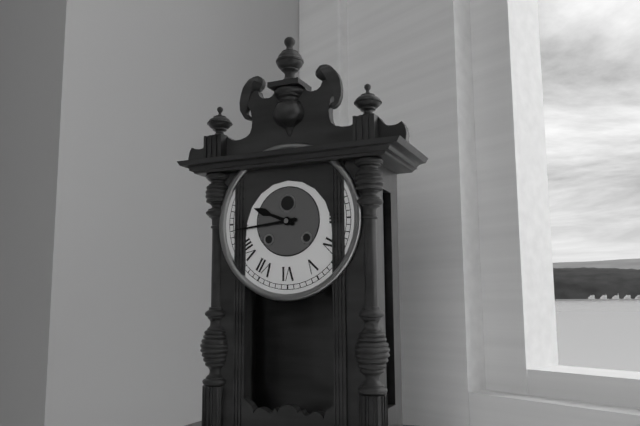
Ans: 9:44
